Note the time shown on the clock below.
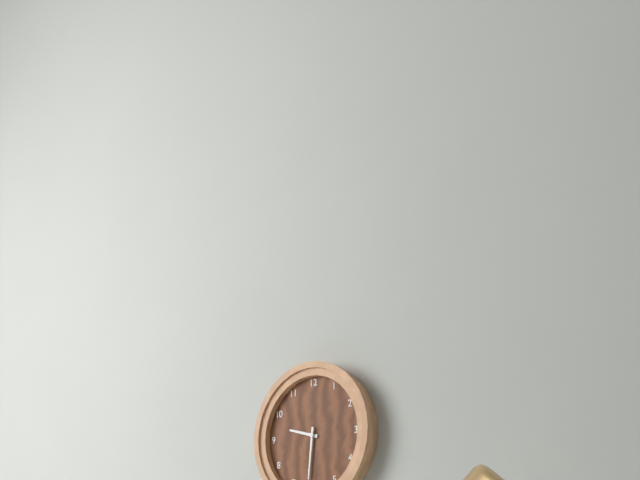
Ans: 9:31
